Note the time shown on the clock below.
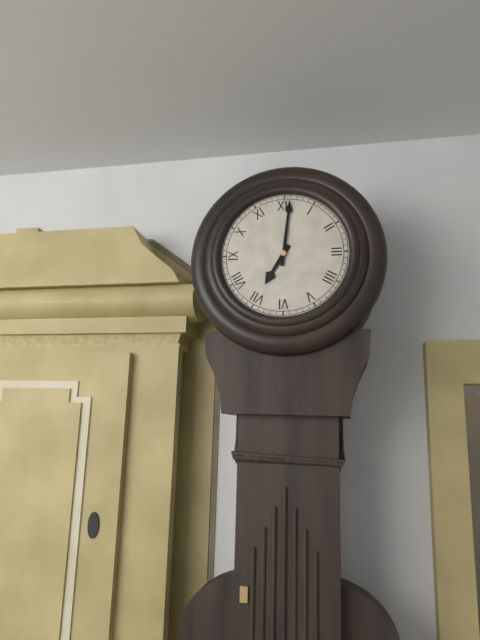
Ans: 7:01
